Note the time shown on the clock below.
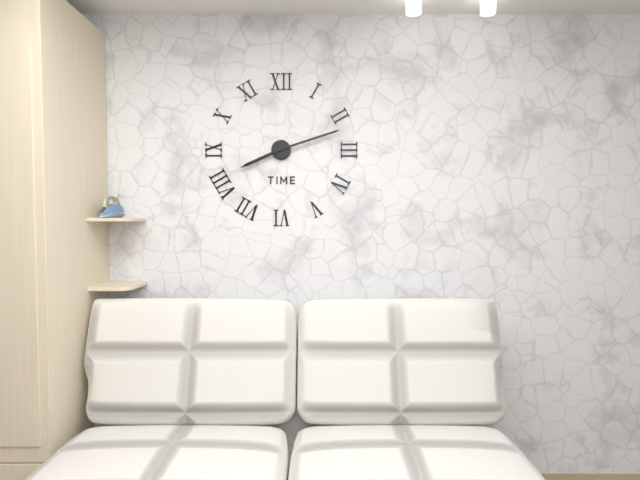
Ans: 8:12
